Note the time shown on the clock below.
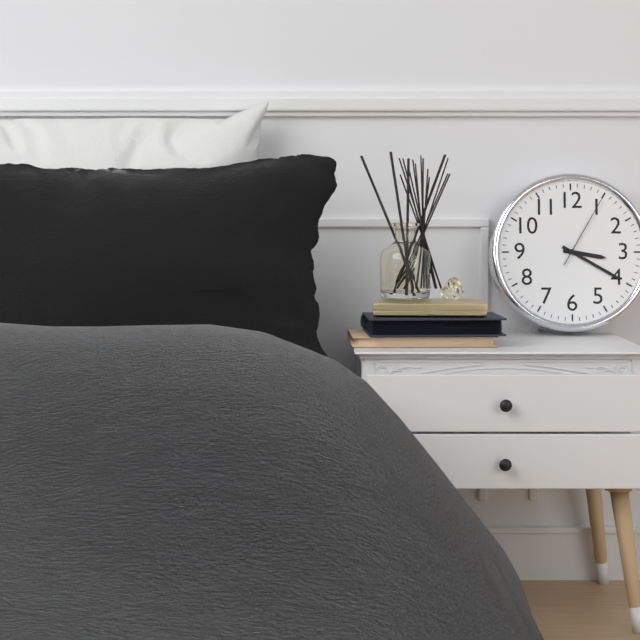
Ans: 3:20:05
